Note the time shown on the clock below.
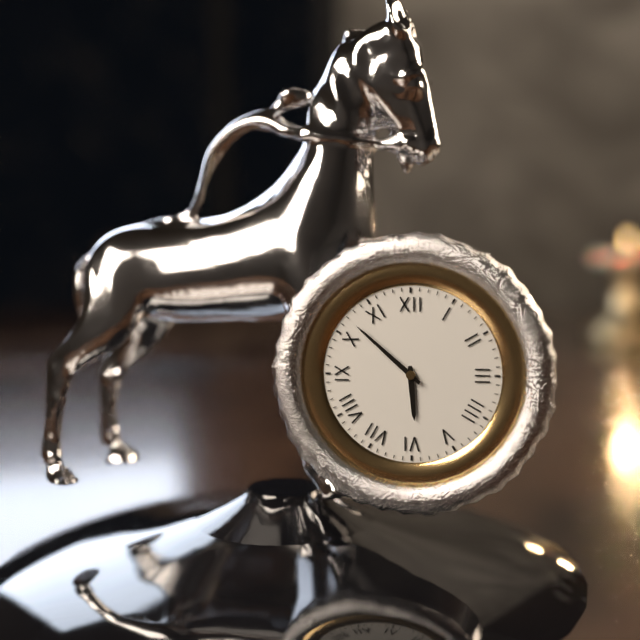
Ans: 5:52
